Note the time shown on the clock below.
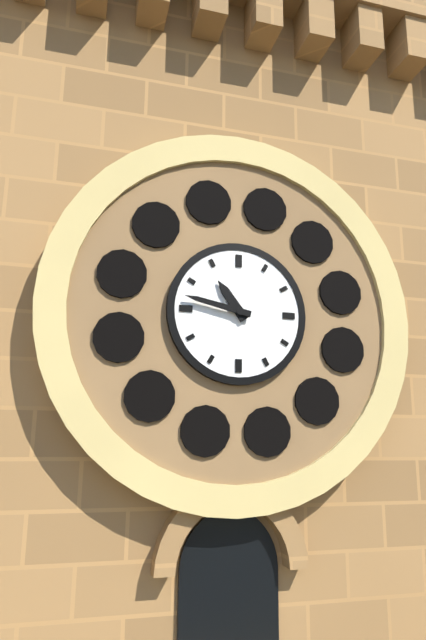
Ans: 10:47
